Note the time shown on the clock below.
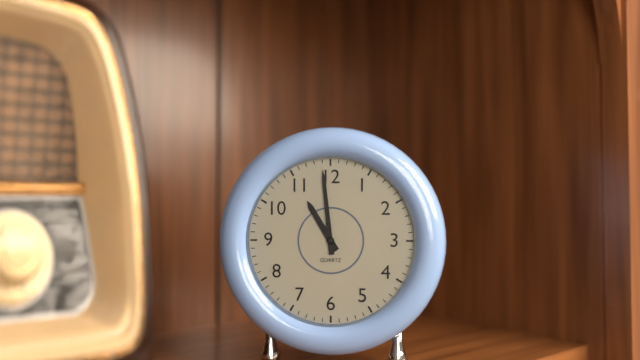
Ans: 10:59
